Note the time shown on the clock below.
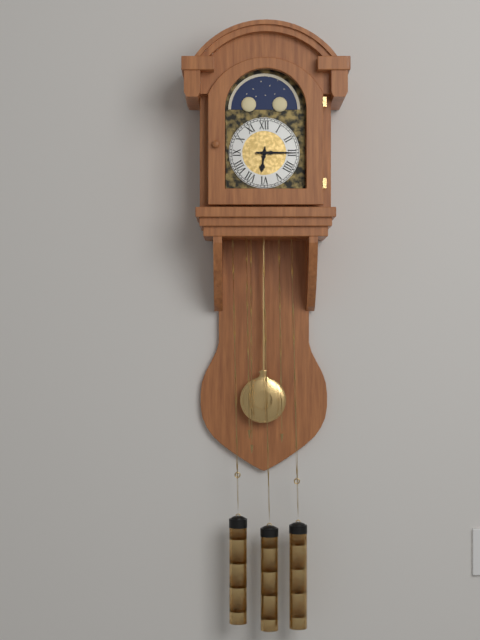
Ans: 6:15
